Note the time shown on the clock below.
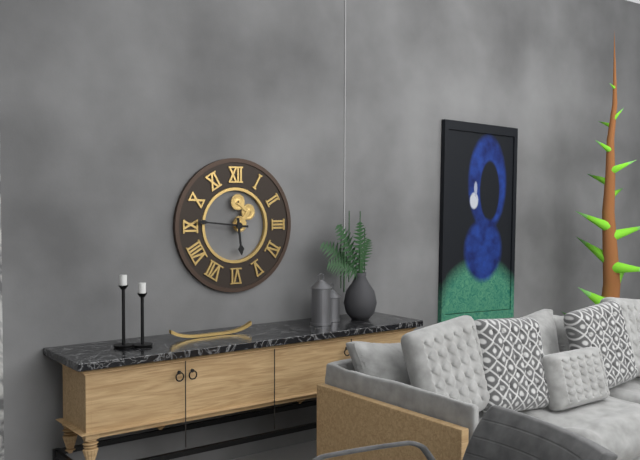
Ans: 5:46
